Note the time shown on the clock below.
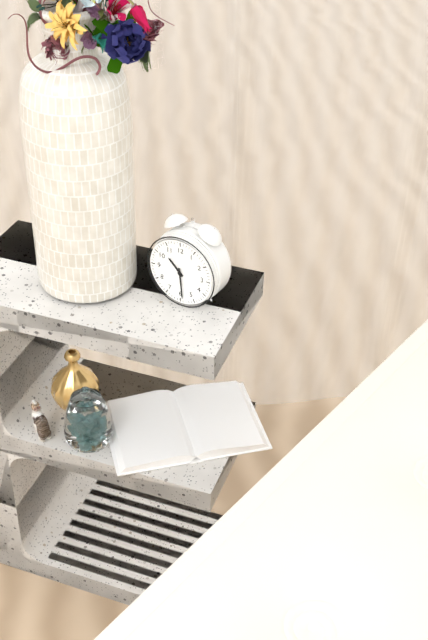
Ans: 10:29
